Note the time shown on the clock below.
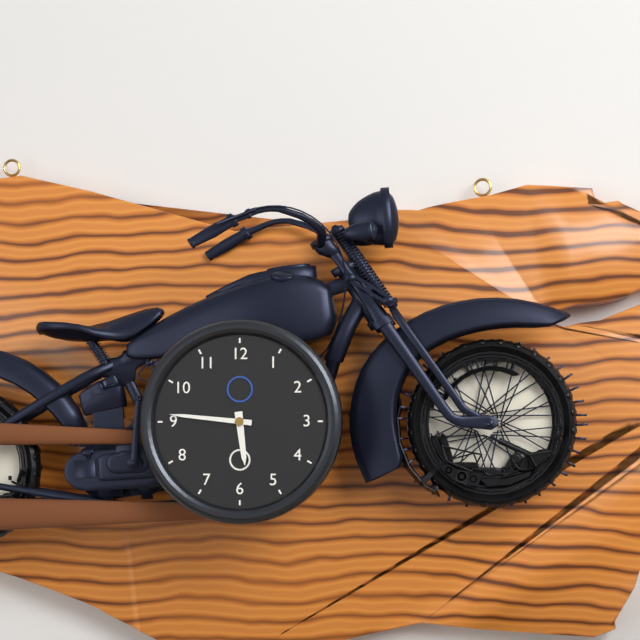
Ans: 5:46
